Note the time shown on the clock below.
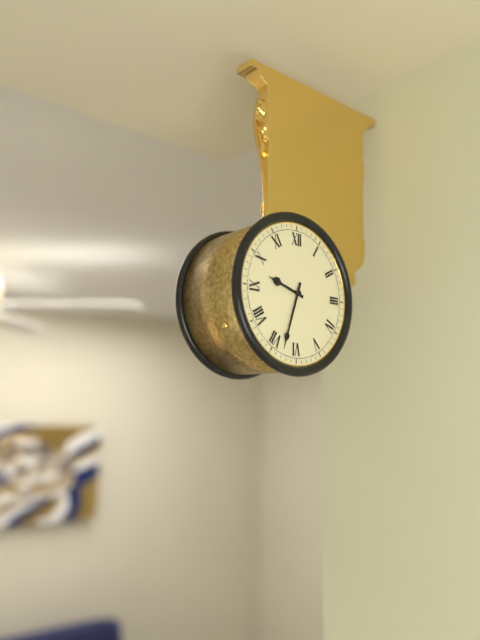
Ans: 9:33
